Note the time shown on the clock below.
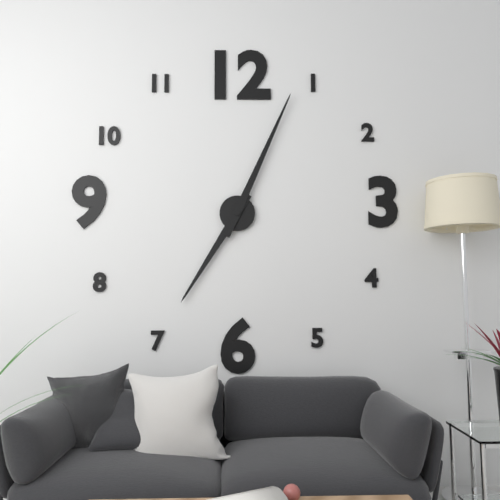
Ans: 7:04
